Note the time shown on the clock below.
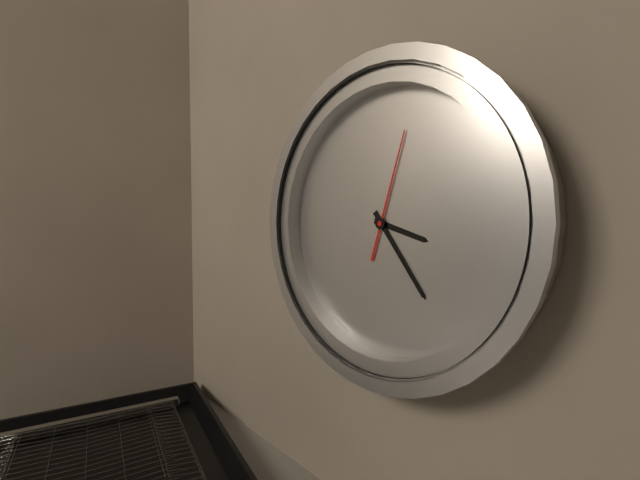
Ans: 3:23:02
